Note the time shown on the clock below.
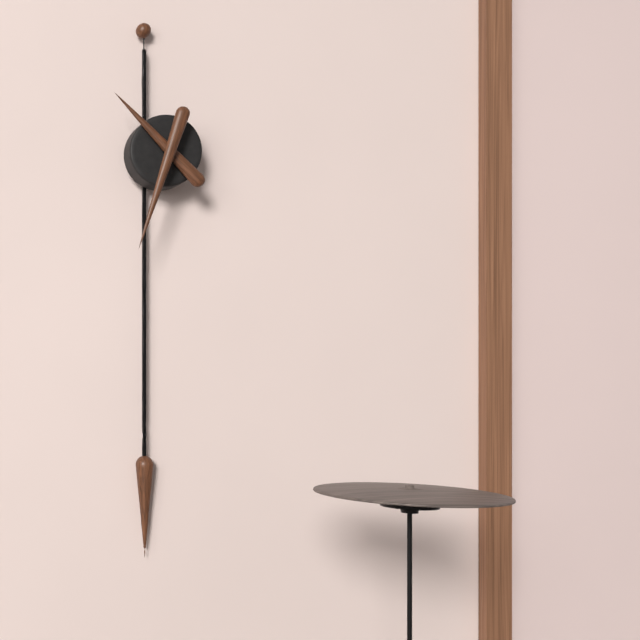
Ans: 10:33
